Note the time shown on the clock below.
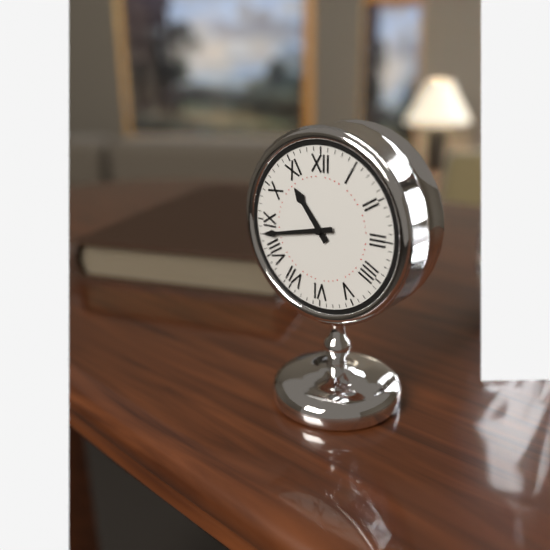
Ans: 10:43
